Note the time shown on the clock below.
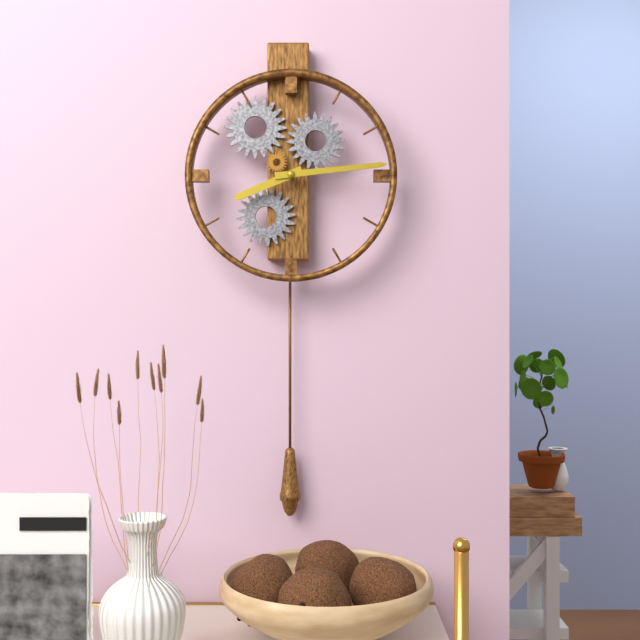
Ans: 8:14
